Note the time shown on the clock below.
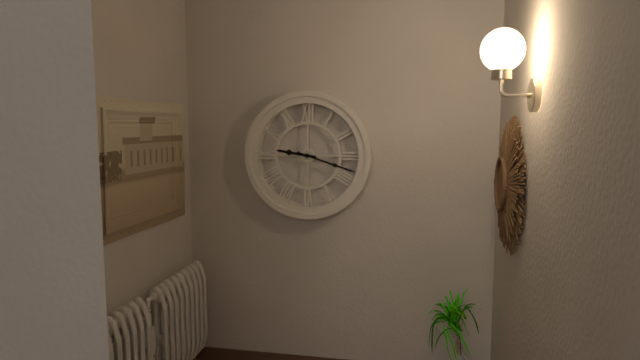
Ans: 9:18
